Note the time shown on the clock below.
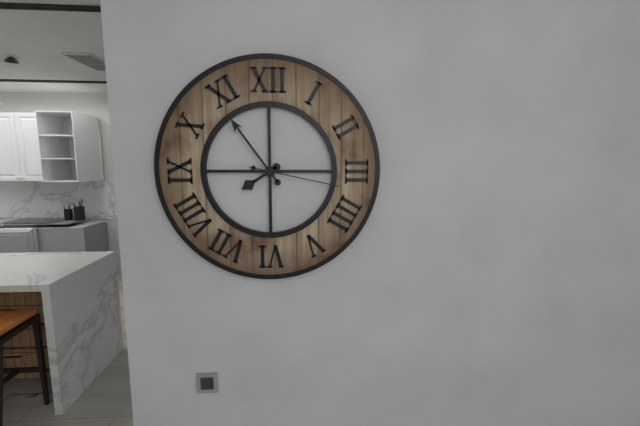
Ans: 7:54:17
